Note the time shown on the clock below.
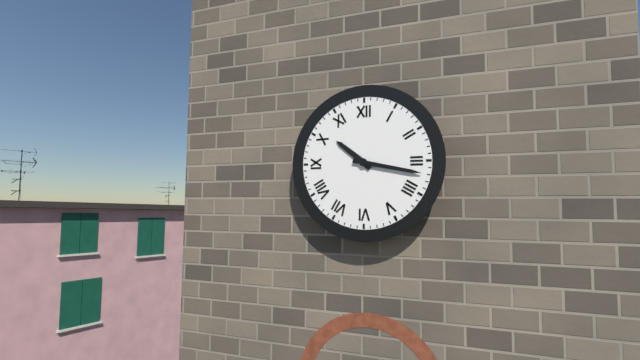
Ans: 10:17
